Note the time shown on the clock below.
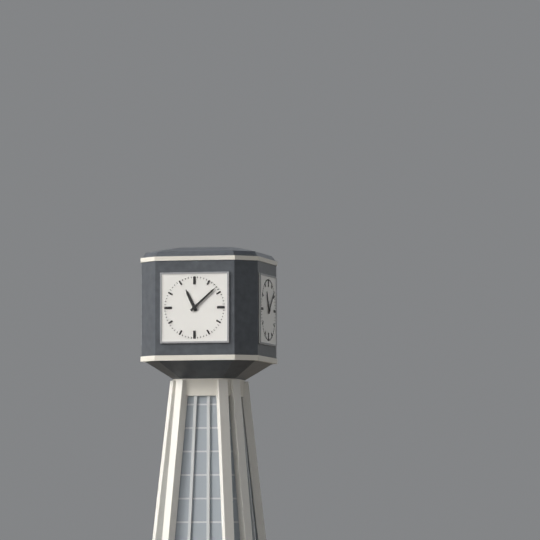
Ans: 11:08
